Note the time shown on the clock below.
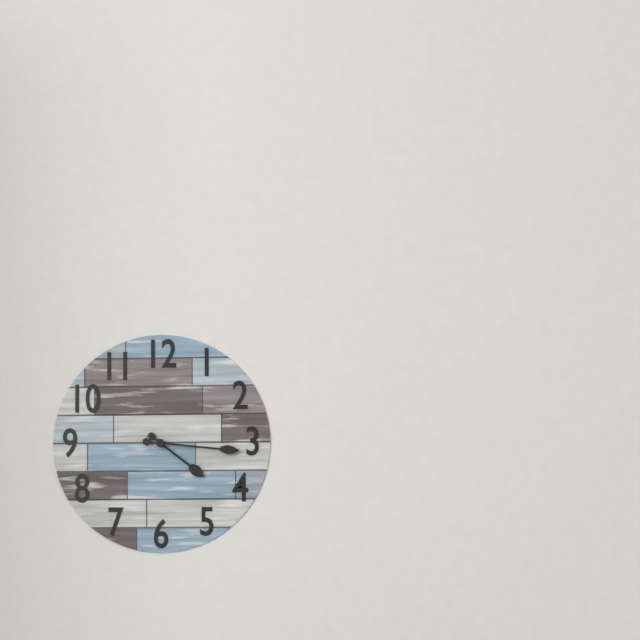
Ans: 4:16
